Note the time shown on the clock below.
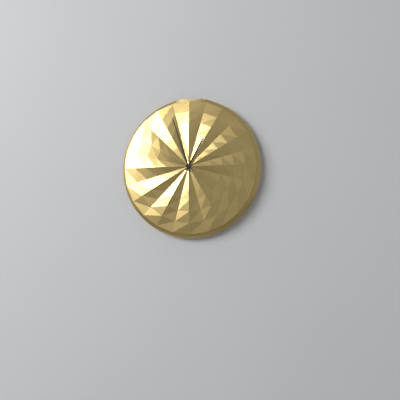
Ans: 12:57
